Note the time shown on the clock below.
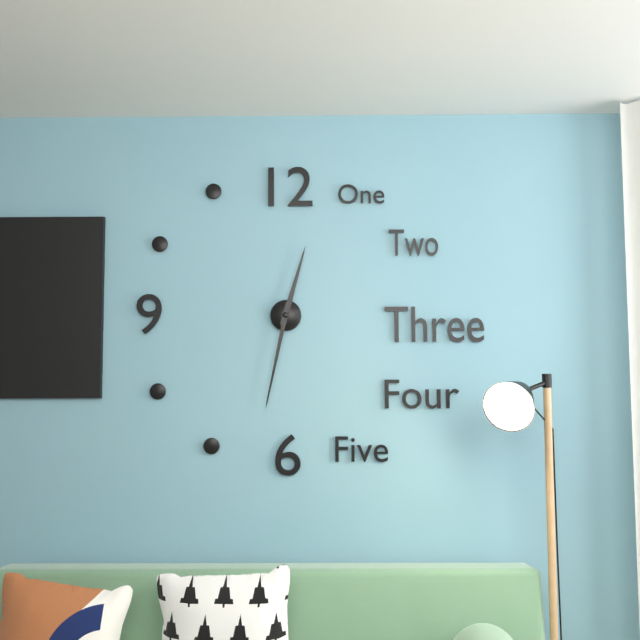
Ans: 12:32
